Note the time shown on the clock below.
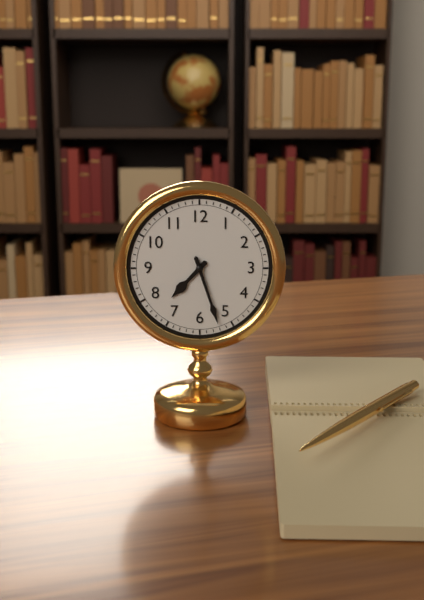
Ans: 7:27
